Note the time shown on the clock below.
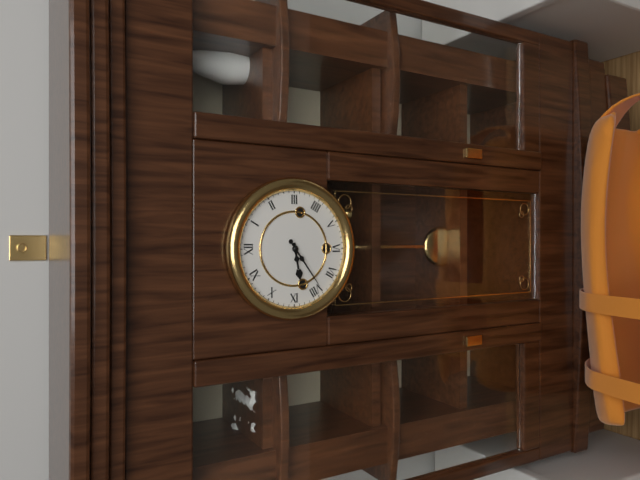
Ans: 8:39
